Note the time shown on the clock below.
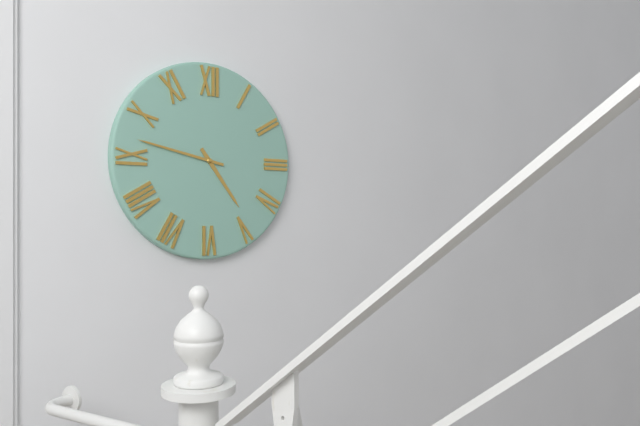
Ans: 4:47
